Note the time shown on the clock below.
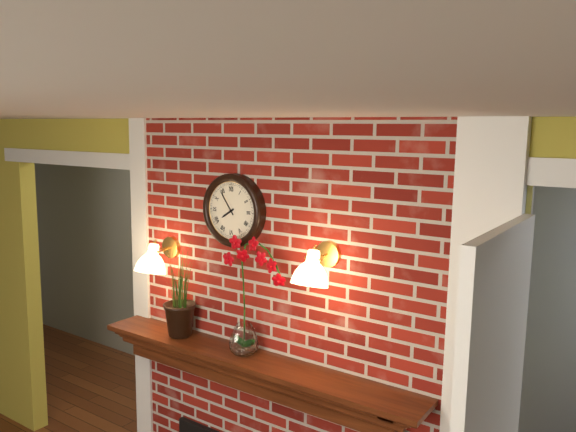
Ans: 7:54
